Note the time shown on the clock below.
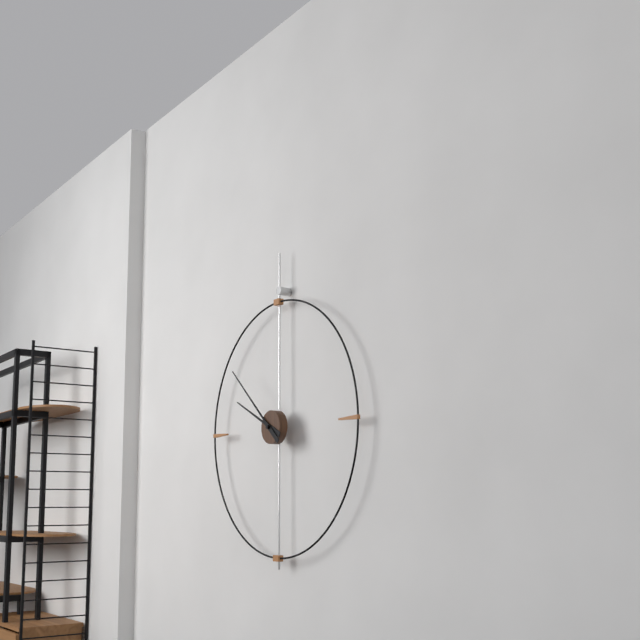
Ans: 9:52
